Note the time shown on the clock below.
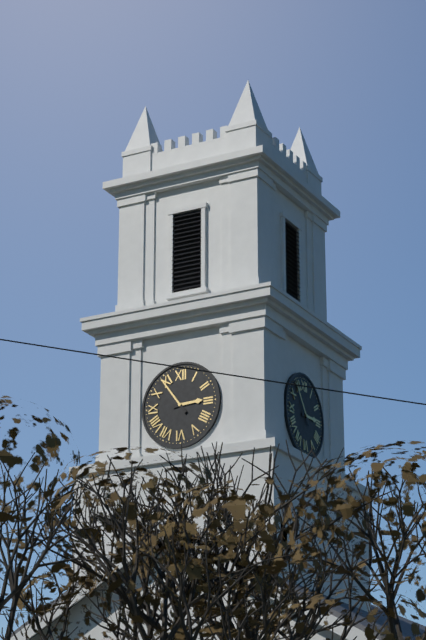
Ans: 2:54
